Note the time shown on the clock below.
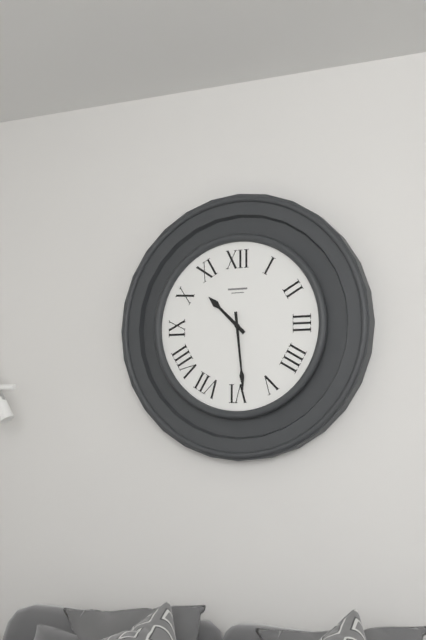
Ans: 10:29
